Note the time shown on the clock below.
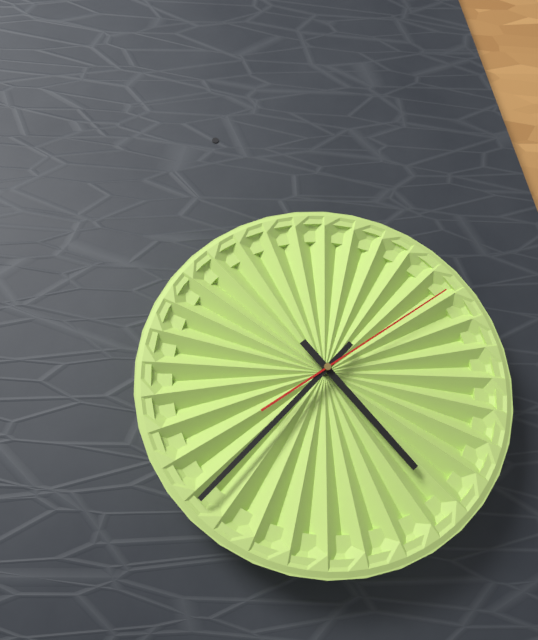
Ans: 4:37:09
